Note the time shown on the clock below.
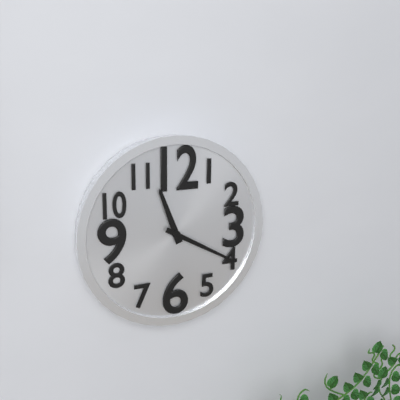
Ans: 11:20
